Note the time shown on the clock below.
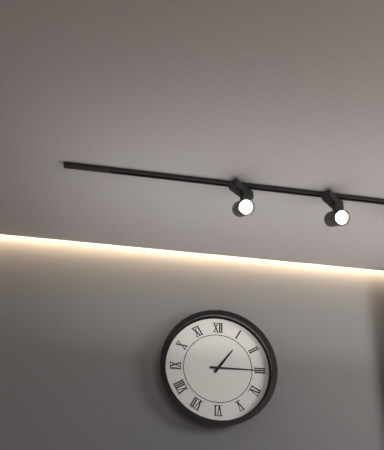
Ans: 1:15
